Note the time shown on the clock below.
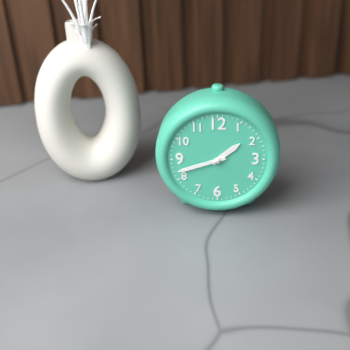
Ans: 1:42
